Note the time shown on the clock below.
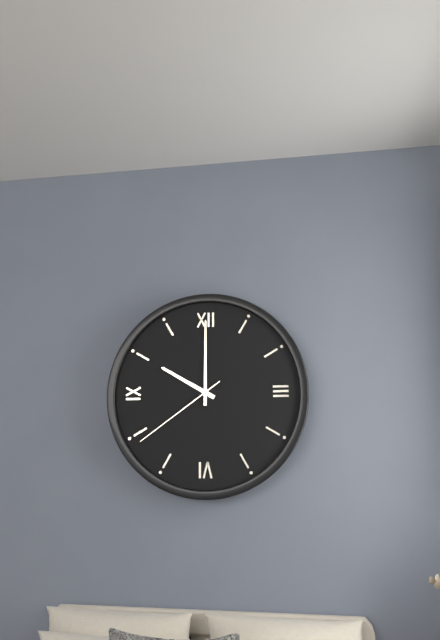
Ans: 10:00:39
